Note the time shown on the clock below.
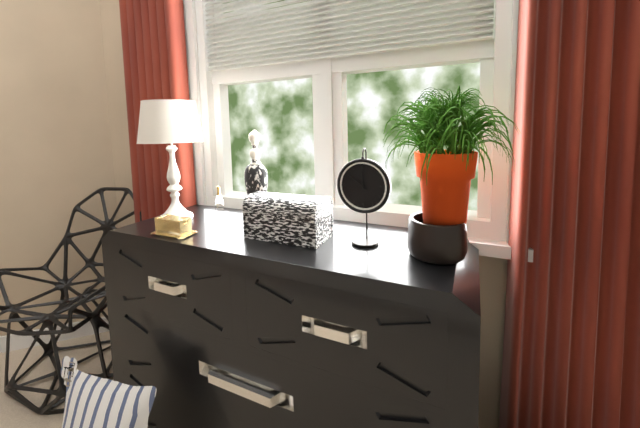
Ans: 11:51
